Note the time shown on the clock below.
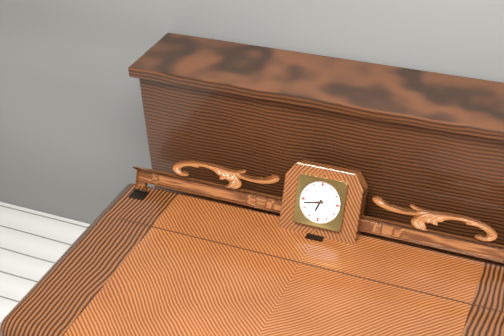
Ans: 6:43
